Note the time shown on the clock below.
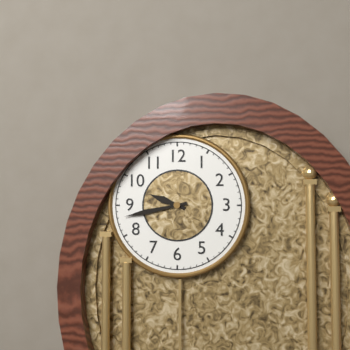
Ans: 9:43
